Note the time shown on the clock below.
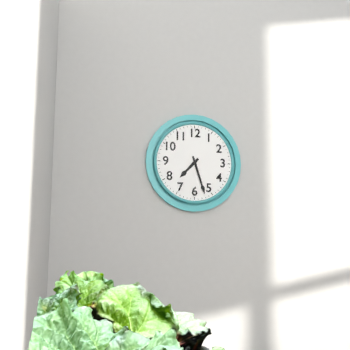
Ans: 7:27
